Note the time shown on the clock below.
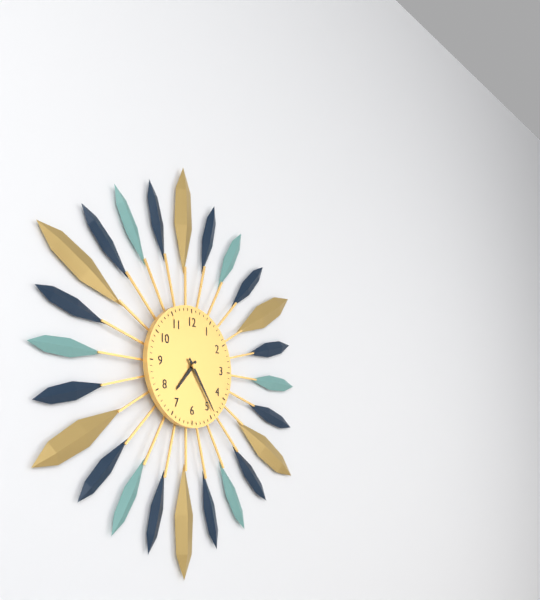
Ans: 7:24
